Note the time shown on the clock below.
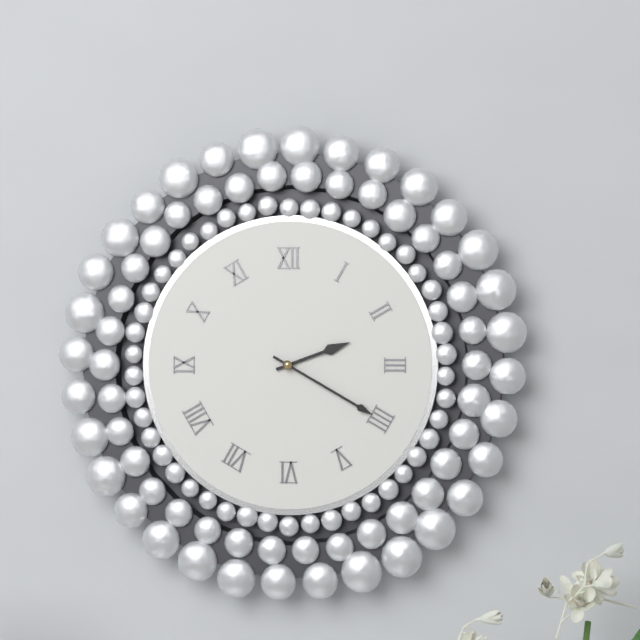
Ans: 2:20
